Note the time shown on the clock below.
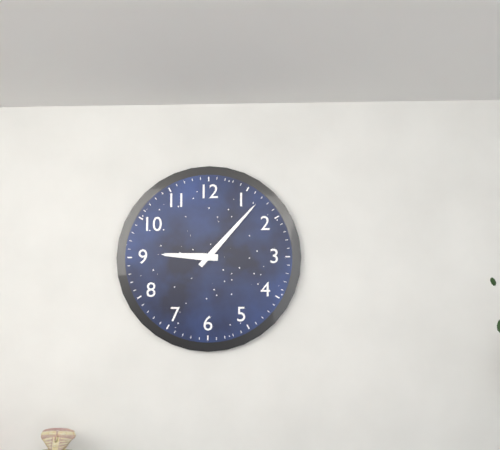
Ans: 9:07
